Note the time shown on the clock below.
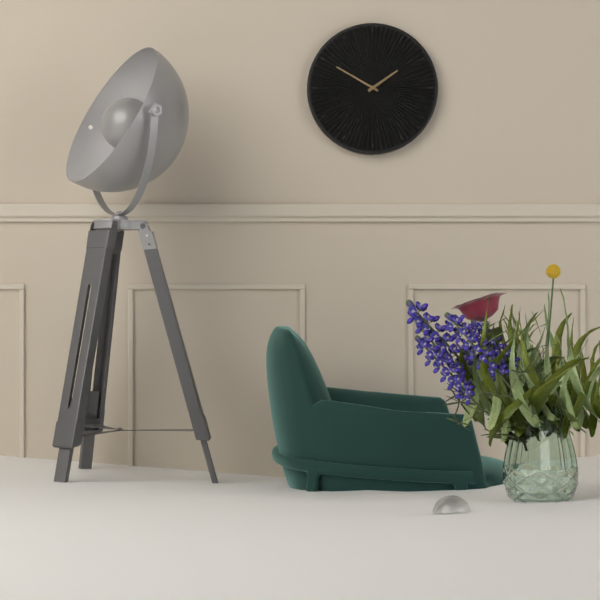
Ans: 1:50
